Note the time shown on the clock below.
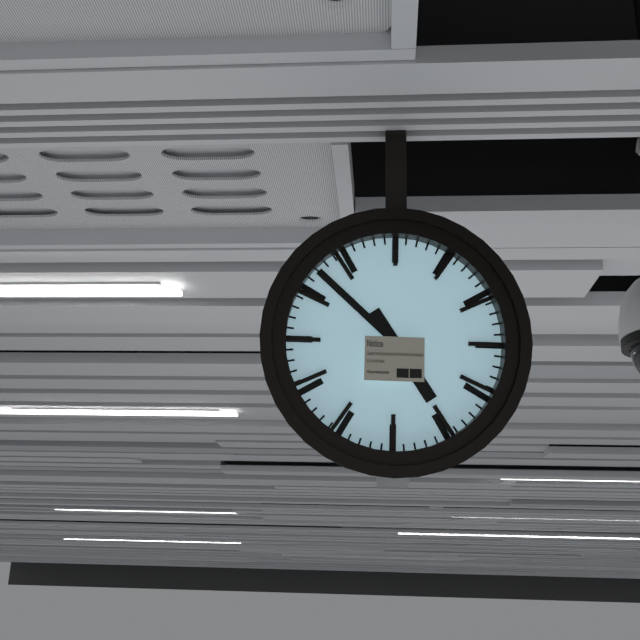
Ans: 4:52
